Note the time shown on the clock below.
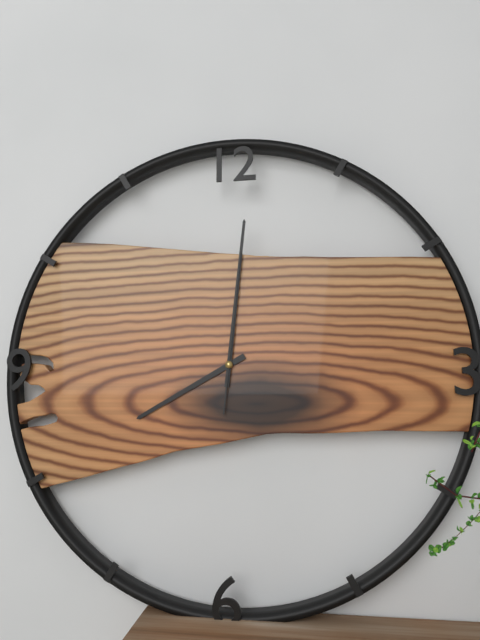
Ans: 8:01:01
